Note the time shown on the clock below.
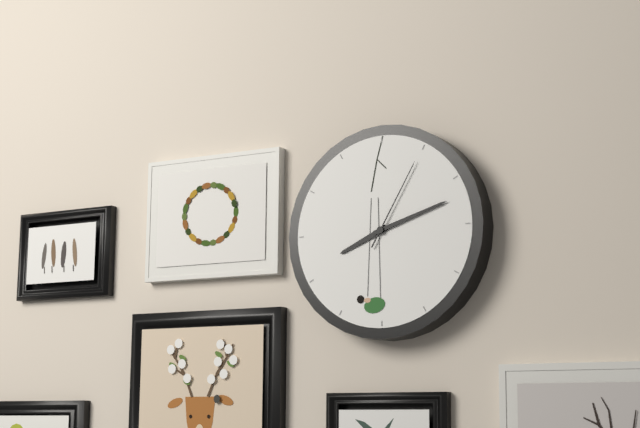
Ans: 8:12:05
